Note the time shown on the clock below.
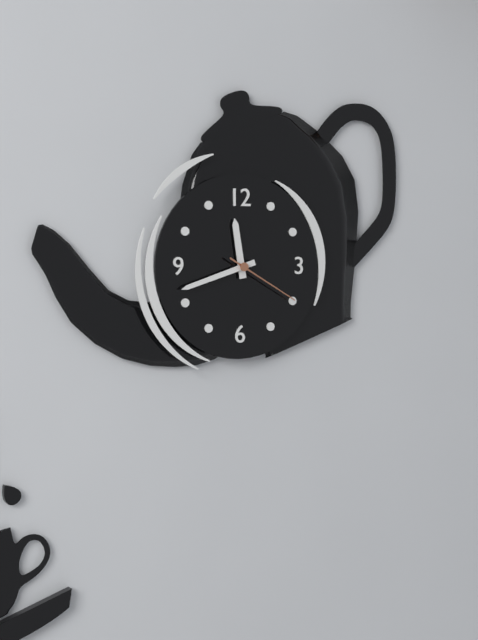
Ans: 11:42:20
